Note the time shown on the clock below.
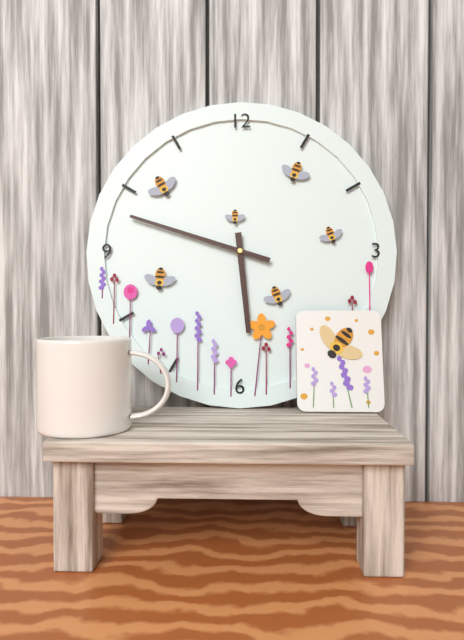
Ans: 5:48
